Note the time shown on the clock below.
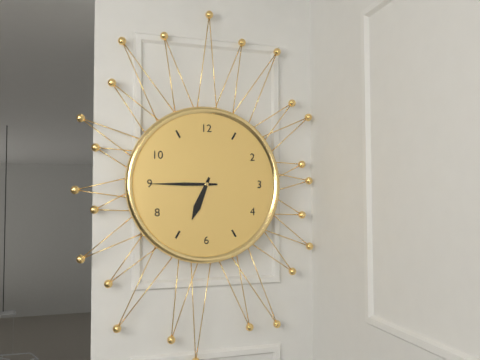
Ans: 6:45
